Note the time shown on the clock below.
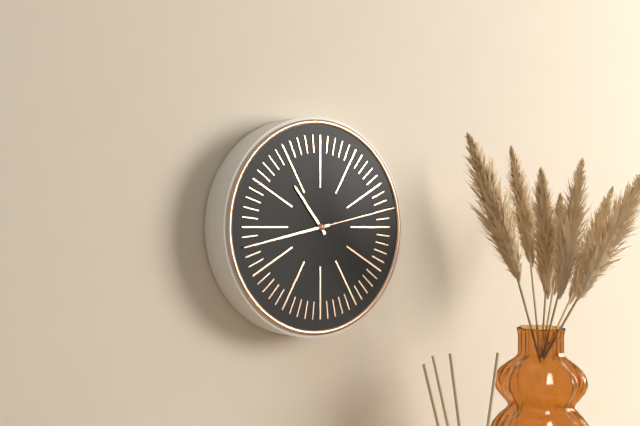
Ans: 10:43:13
